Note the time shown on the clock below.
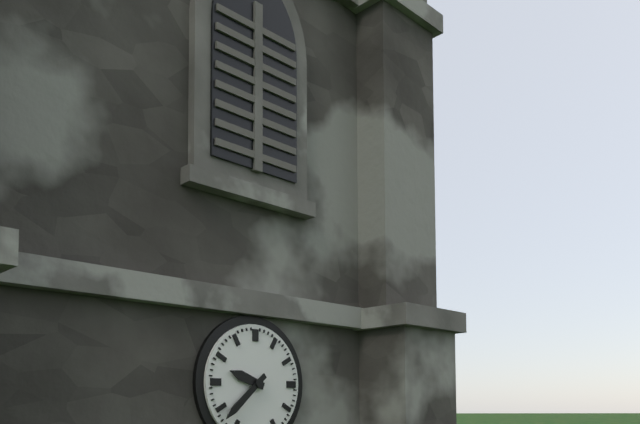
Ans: 9:38
